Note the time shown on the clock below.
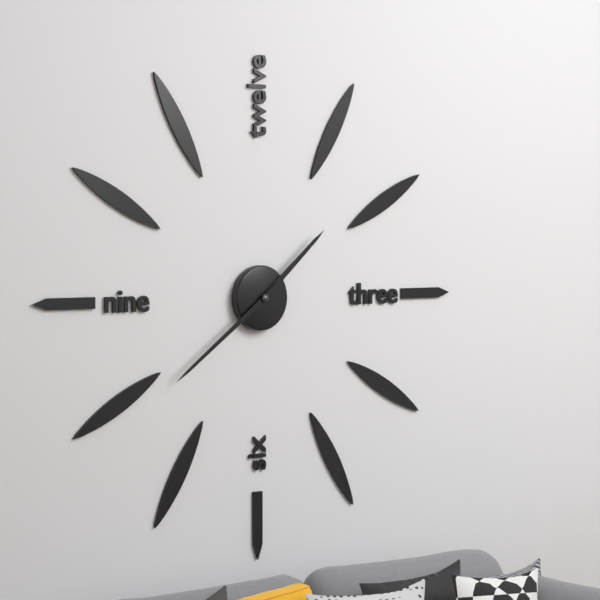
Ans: 1:39
